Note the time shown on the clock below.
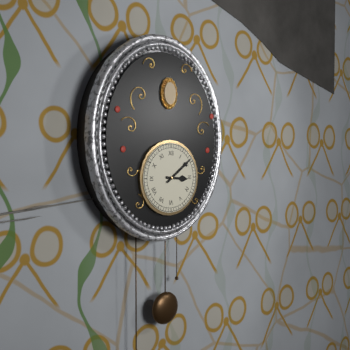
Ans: 3:09
